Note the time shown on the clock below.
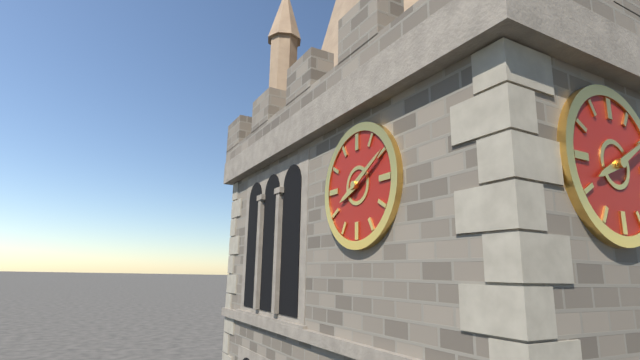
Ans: 8:10
